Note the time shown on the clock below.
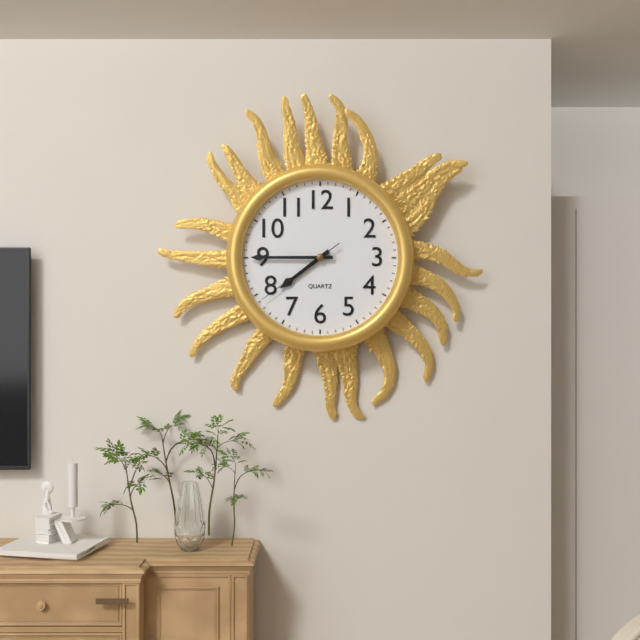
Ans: 7:45:39
